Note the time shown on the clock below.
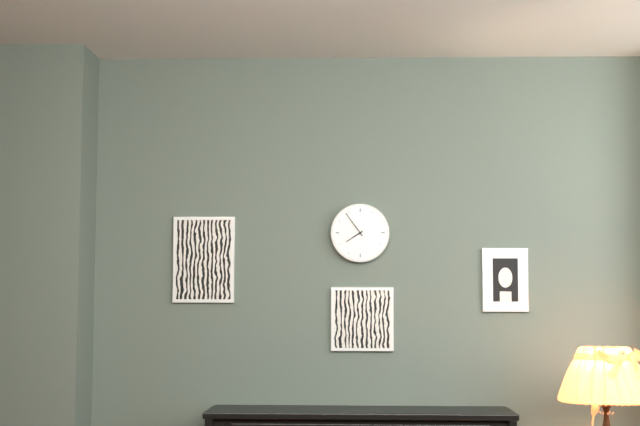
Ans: 7:54
